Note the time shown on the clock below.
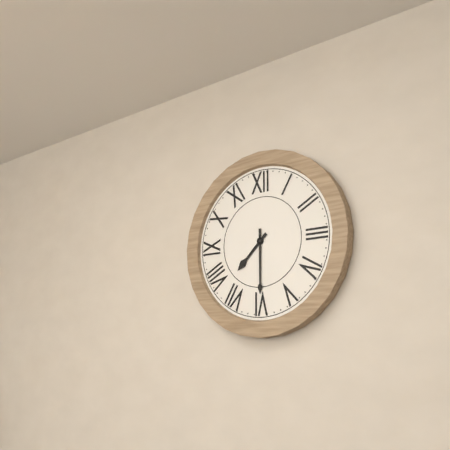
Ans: 7:30
